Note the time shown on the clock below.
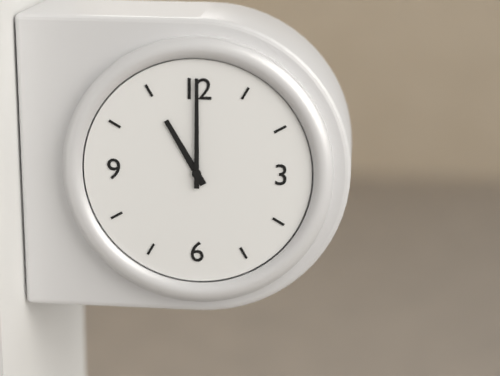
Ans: 11:00
